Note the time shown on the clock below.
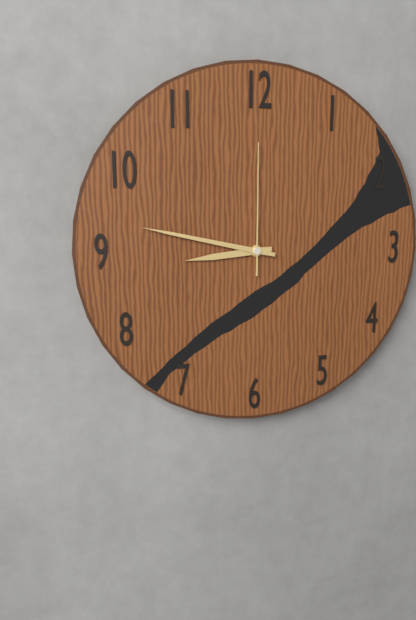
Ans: 8:47:00
